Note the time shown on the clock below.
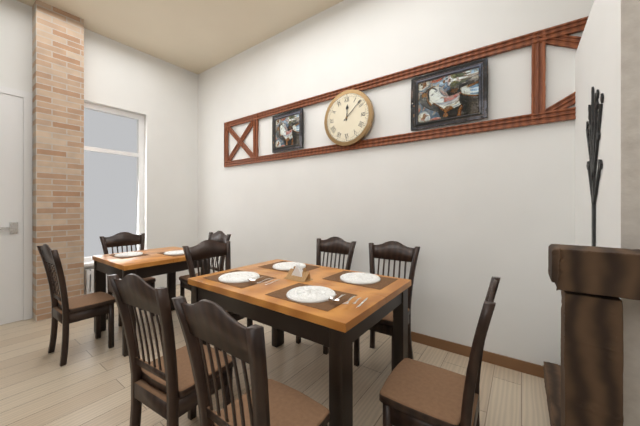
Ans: 12:08
